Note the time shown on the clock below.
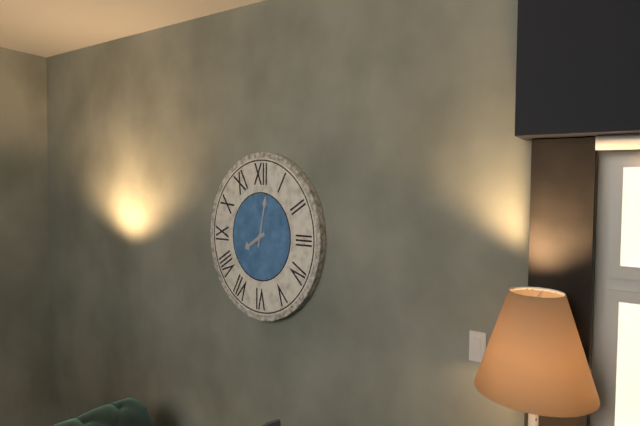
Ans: 8:02
